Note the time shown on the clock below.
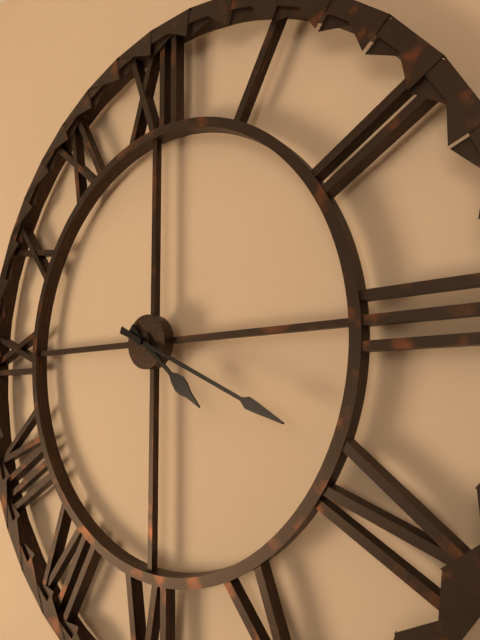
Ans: 4:19
